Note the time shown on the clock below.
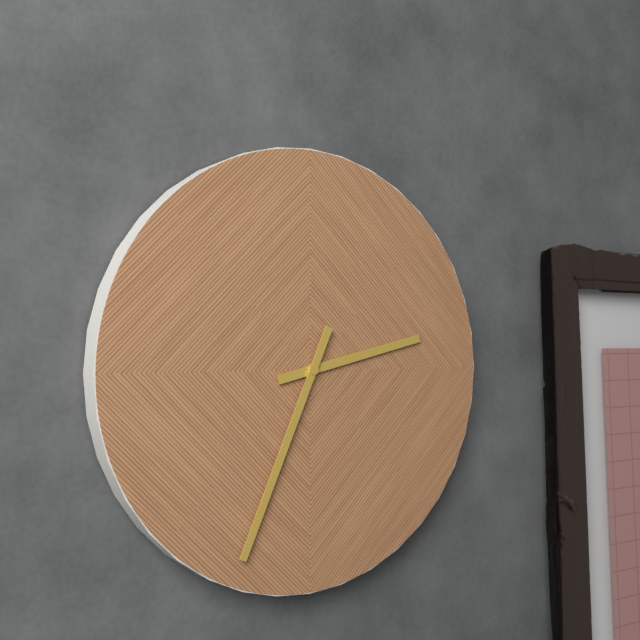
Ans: 2:34
